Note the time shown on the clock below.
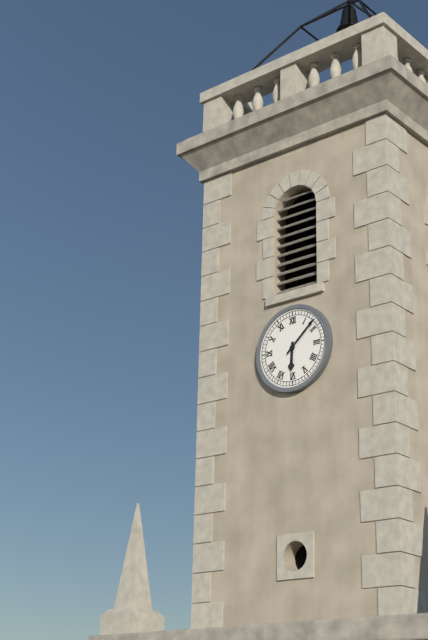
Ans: 6:08
